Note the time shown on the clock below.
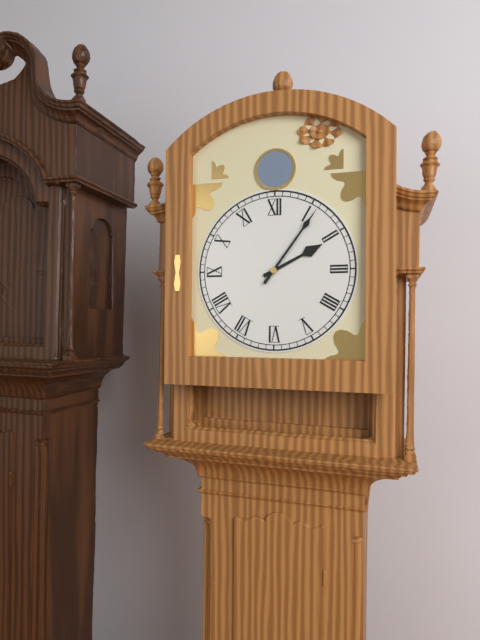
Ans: 2:06
